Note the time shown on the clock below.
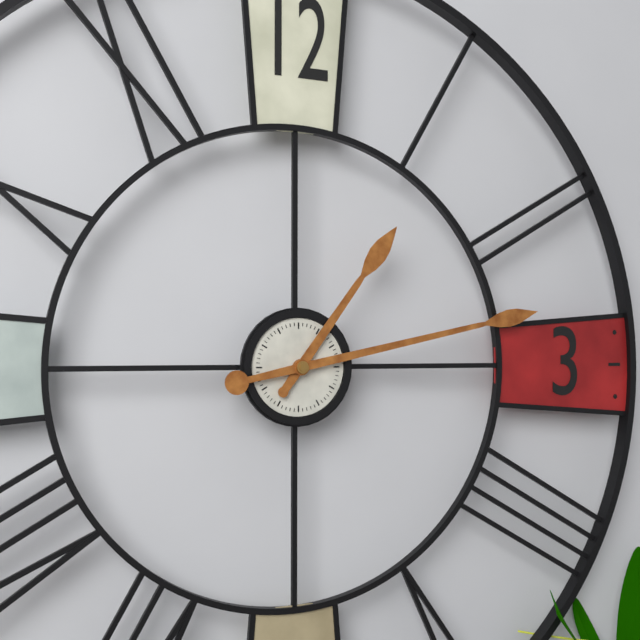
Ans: 1:13
